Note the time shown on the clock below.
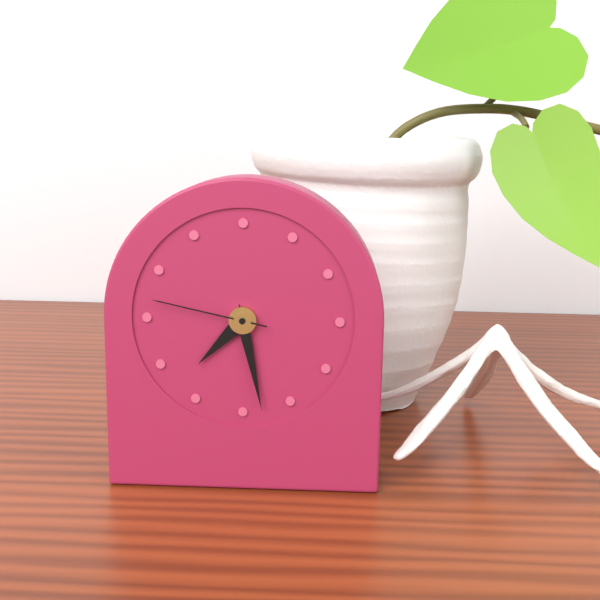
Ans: 7:28:47
